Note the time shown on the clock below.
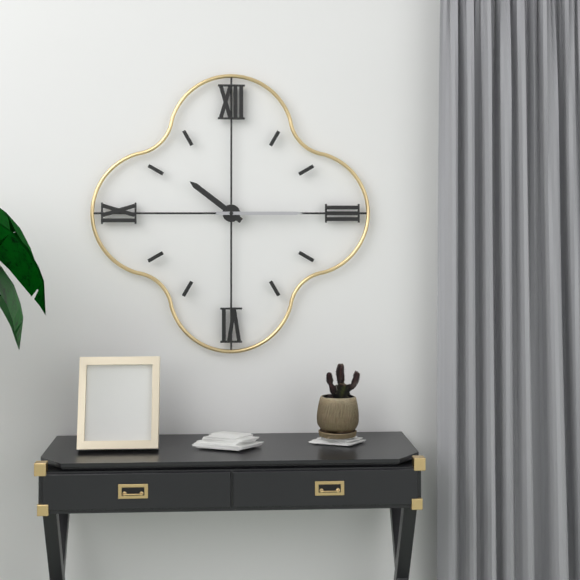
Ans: 10:15
